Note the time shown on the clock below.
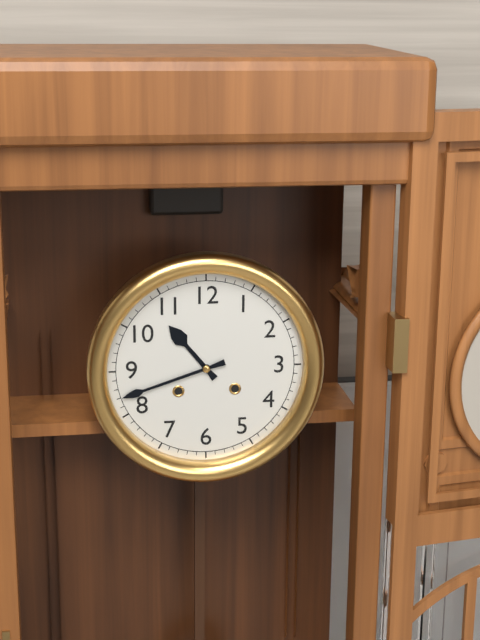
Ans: 10:42
